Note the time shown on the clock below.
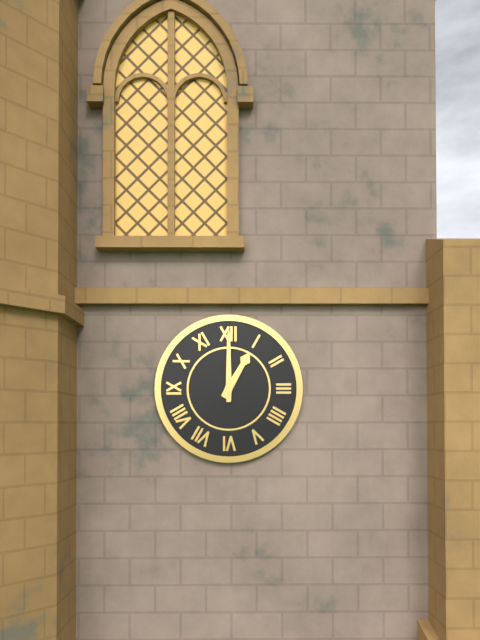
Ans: 1:00
